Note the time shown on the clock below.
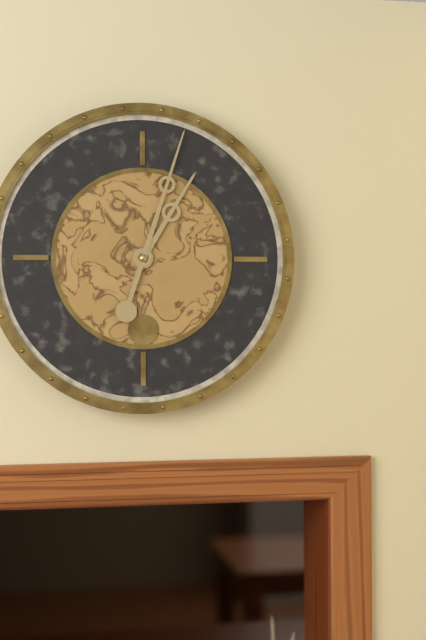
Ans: 1:03
